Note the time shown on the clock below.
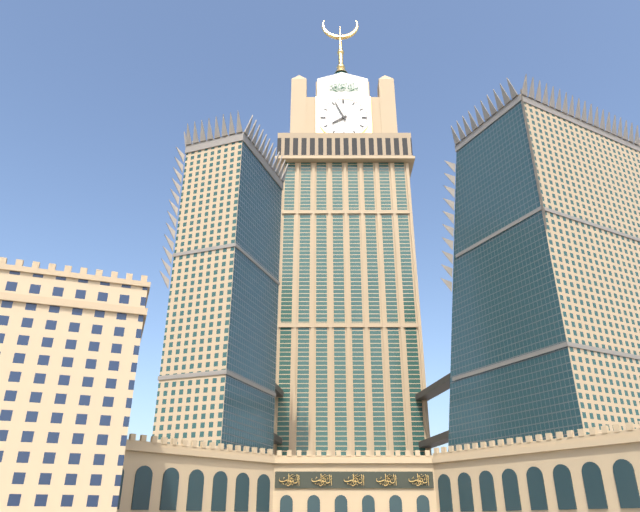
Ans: 7:56
